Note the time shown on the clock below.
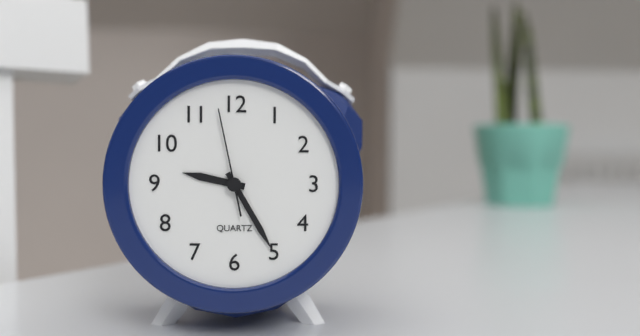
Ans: 9:25:58
